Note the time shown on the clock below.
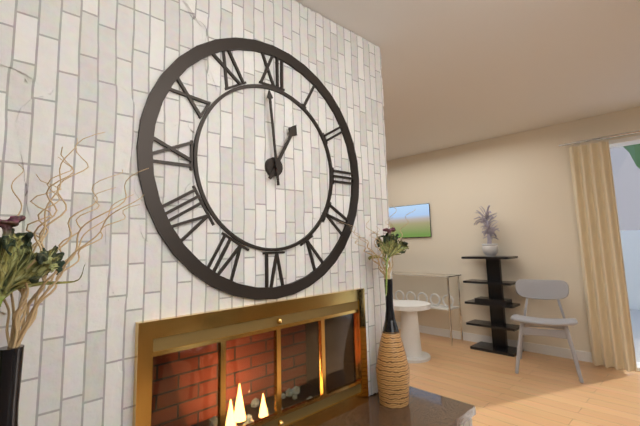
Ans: 12:59
